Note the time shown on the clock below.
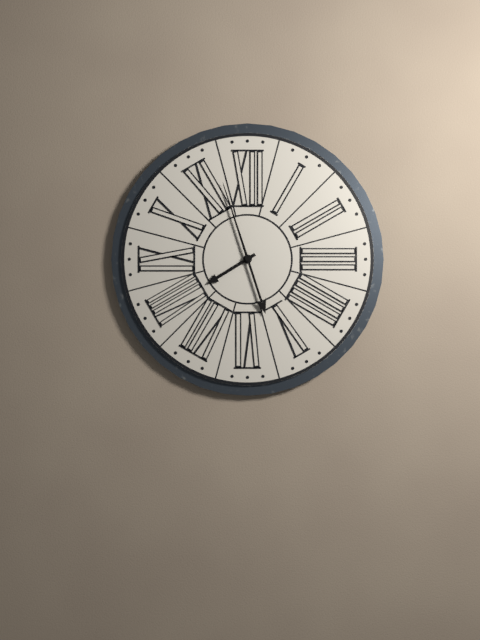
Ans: 7:57
